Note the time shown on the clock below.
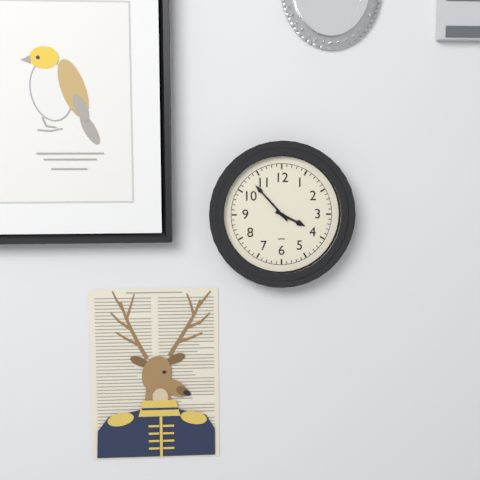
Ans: 3:53
